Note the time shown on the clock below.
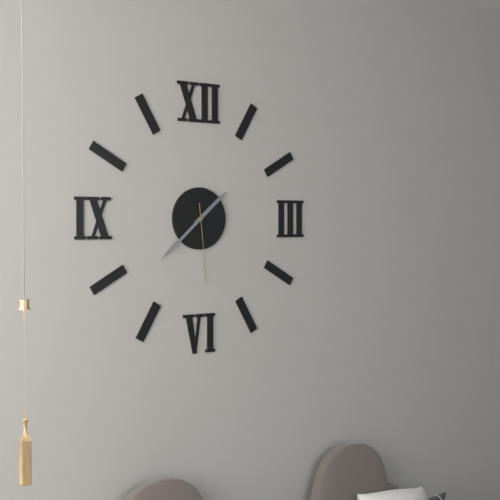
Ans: 1:38:29
